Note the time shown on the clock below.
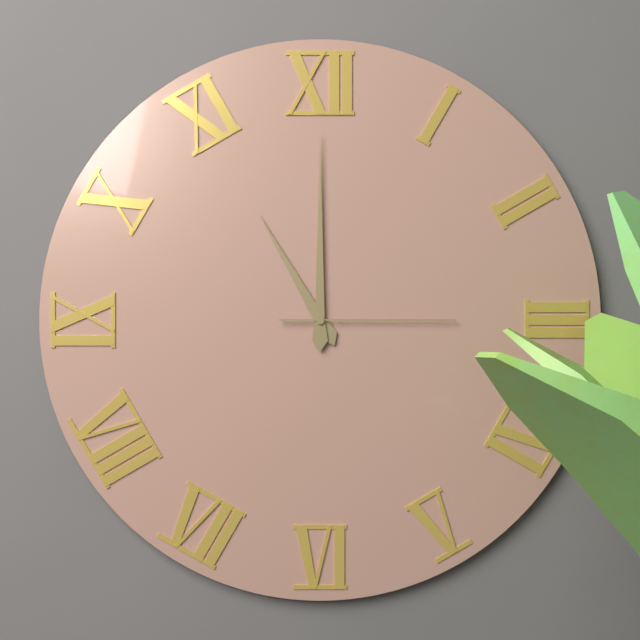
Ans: 11:00:15
